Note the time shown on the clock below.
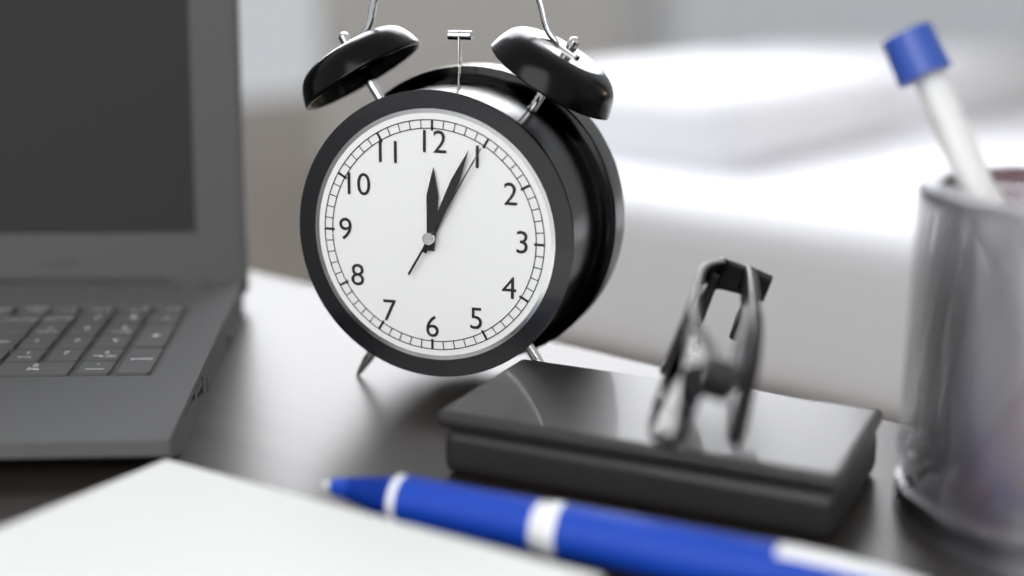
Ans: 12:04:05
